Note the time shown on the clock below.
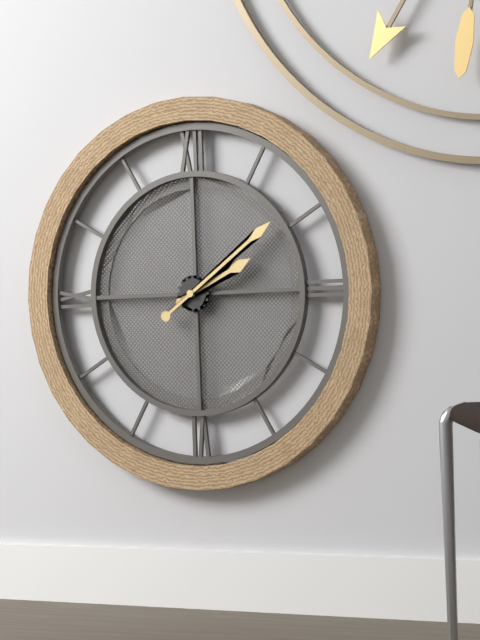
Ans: 2:09
